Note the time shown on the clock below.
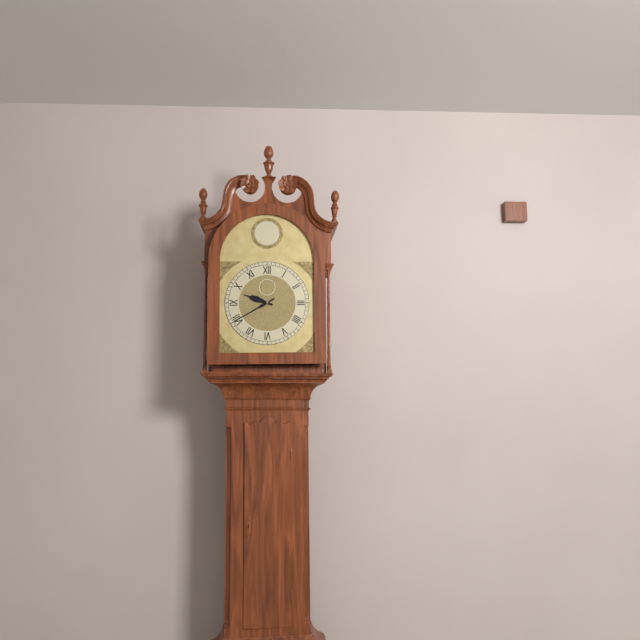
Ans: 9:40
